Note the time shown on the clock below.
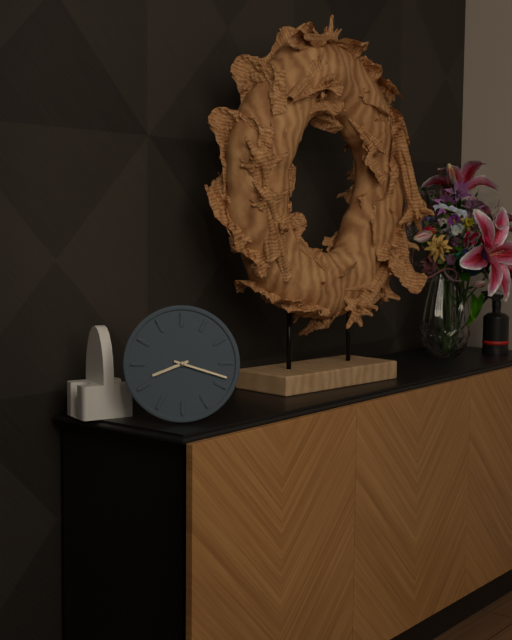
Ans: 8:18
